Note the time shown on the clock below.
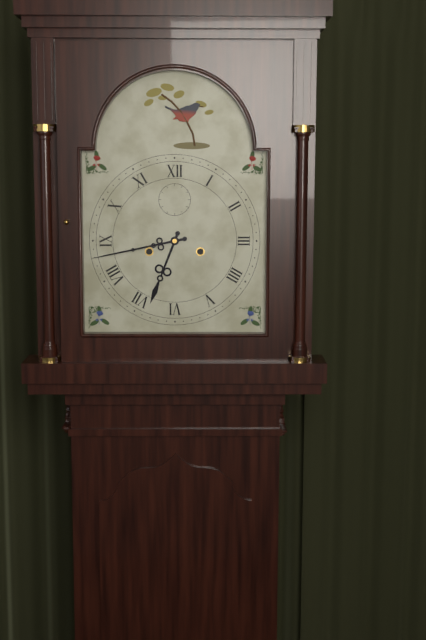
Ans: 6:43
